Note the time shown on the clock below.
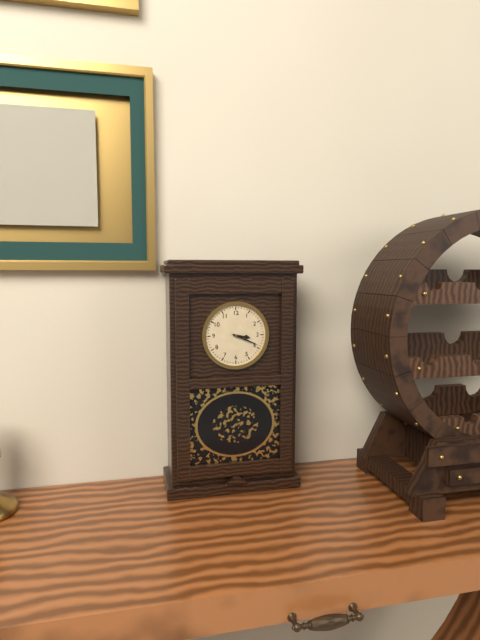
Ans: 3:19
